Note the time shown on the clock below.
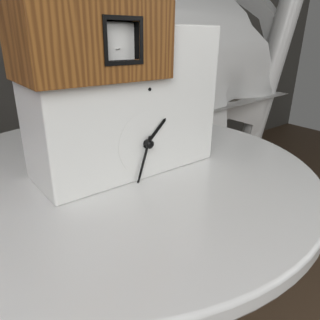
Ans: 1:33
